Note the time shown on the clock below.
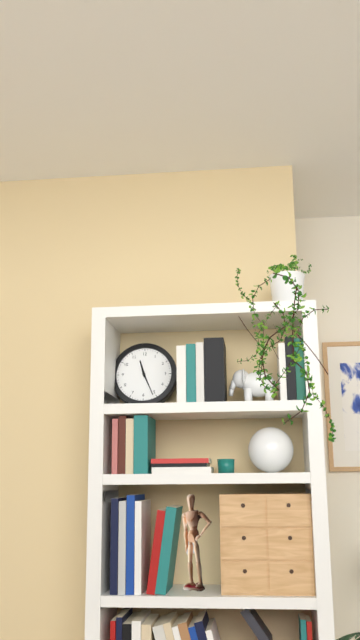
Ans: 11:26
